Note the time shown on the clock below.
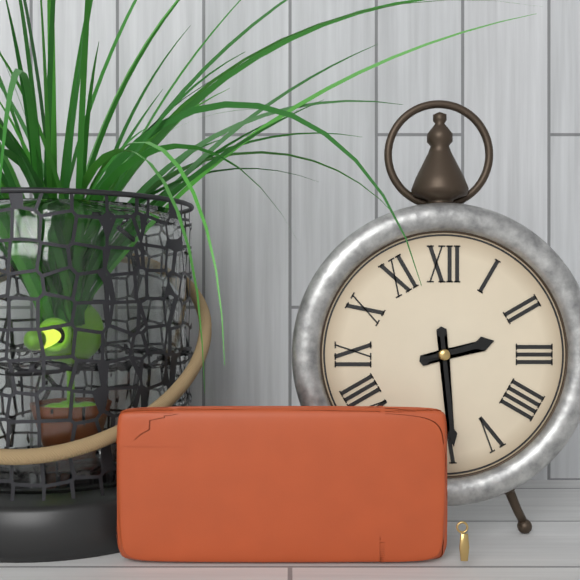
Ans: 2:29
